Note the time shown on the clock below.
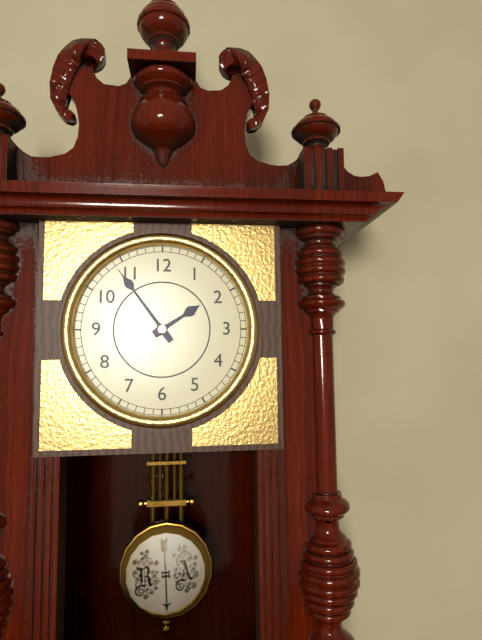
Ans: 1:54
